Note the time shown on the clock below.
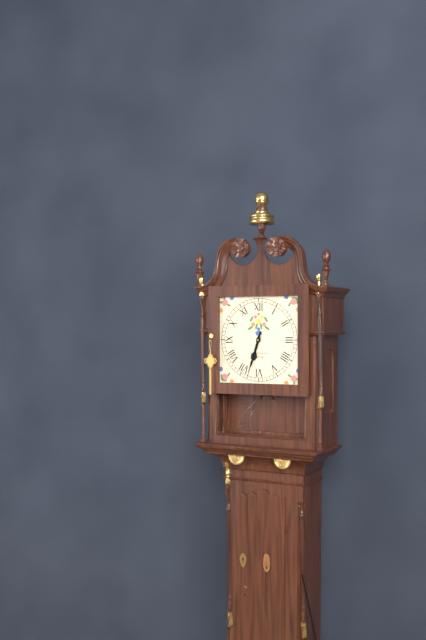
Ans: 6:33
